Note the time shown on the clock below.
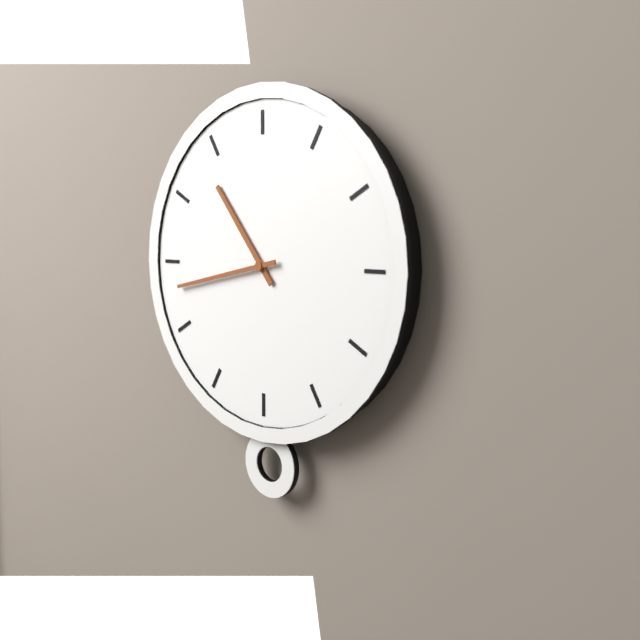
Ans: 10:43
